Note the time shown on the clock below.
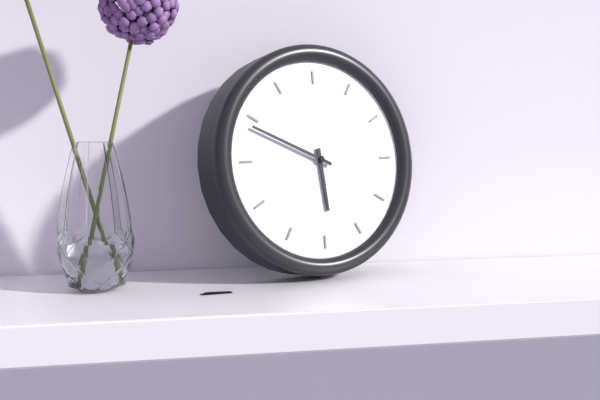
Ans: 5:49
